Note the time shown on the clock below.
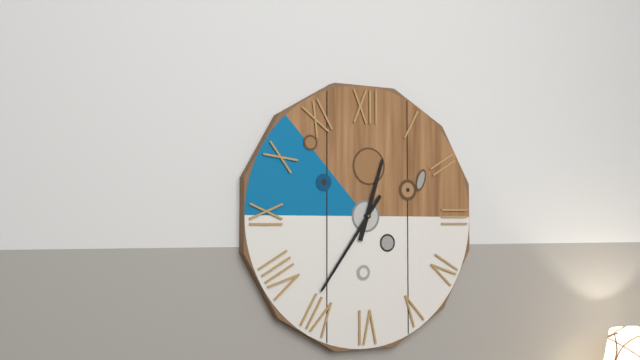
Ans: 12:36
